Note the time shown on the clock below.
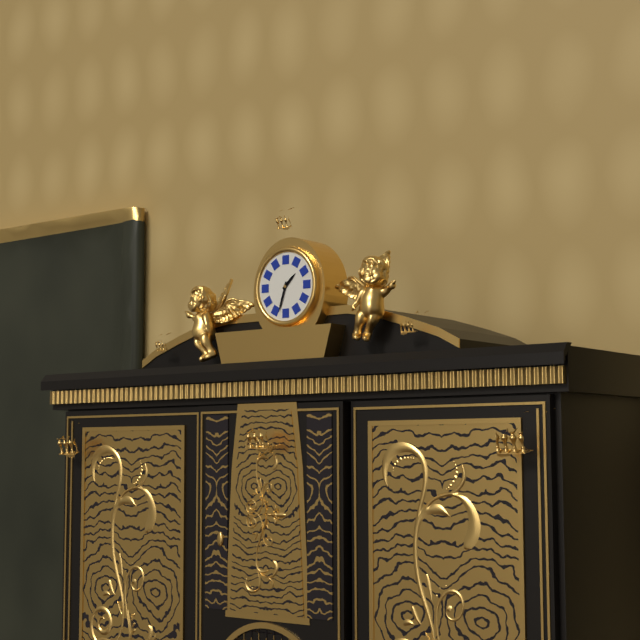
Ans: 1:33
